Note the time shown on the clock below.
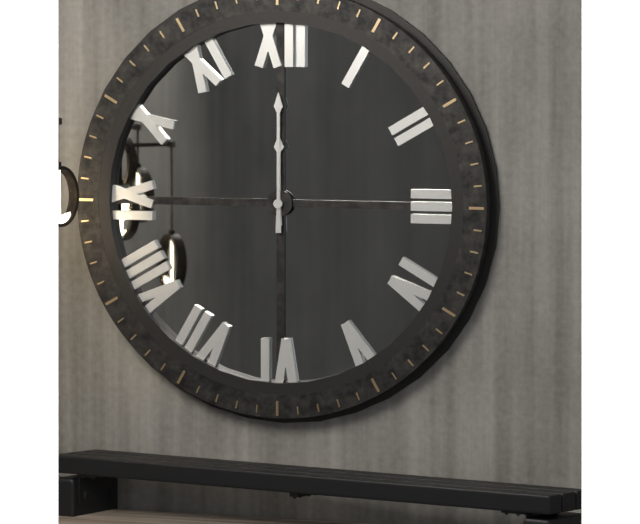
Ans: 12:00
